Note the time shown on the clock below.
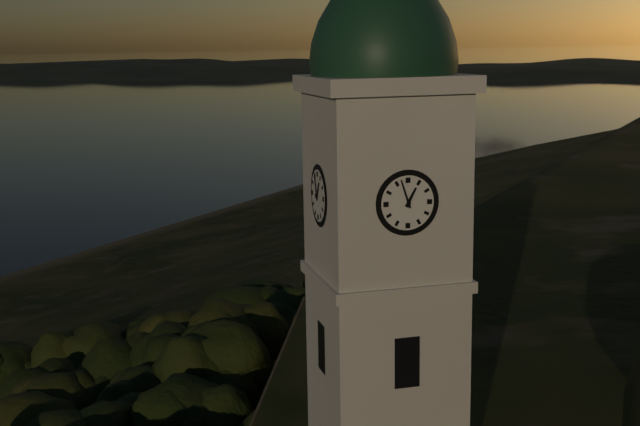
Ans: 12:57
